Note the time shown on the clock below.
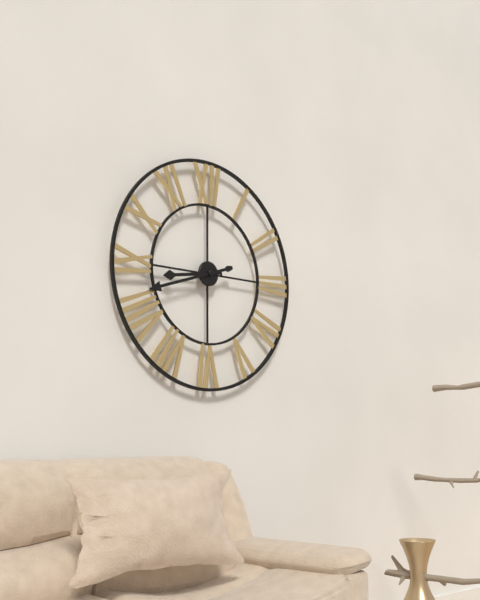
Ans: 8:42
